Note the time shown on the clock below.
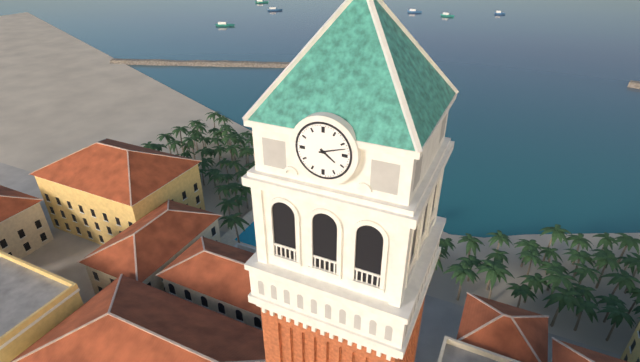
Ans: 4:12
